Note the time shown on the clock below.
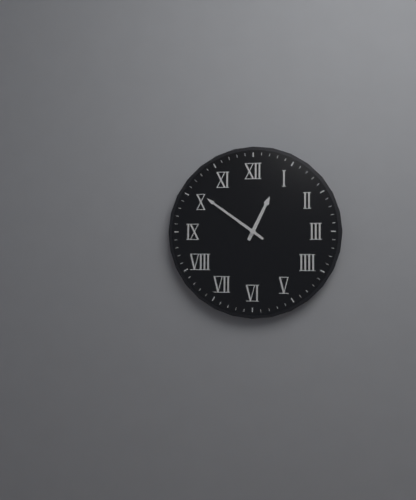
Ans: 12:51
